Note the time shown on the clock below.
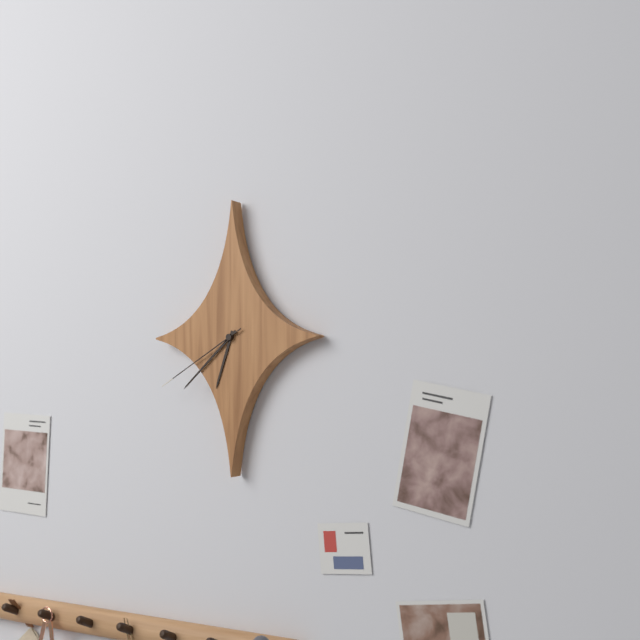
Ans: 6:38:40
